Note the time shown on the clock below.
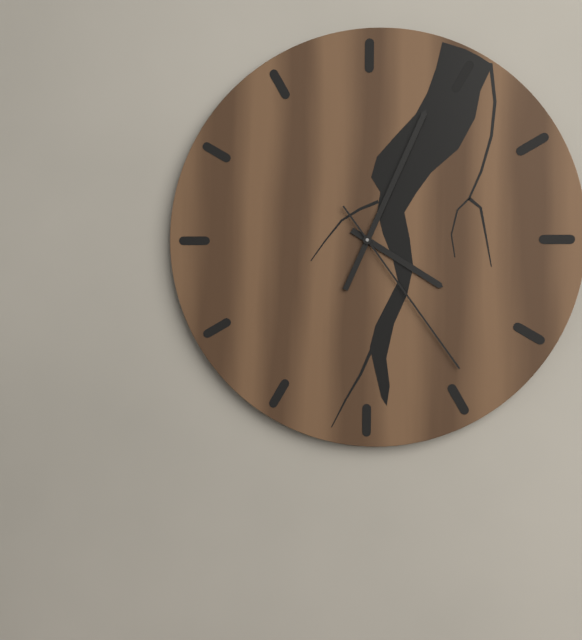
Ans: 4:04:24
